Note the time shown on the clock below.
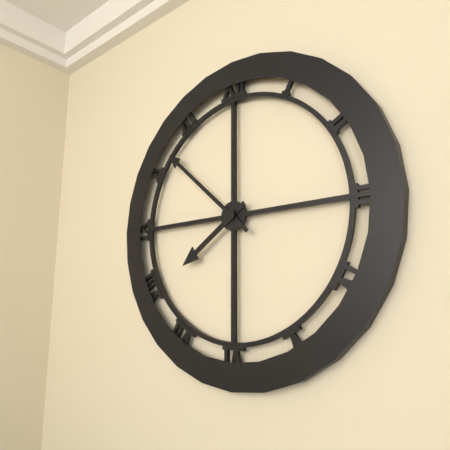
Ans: 7:52
